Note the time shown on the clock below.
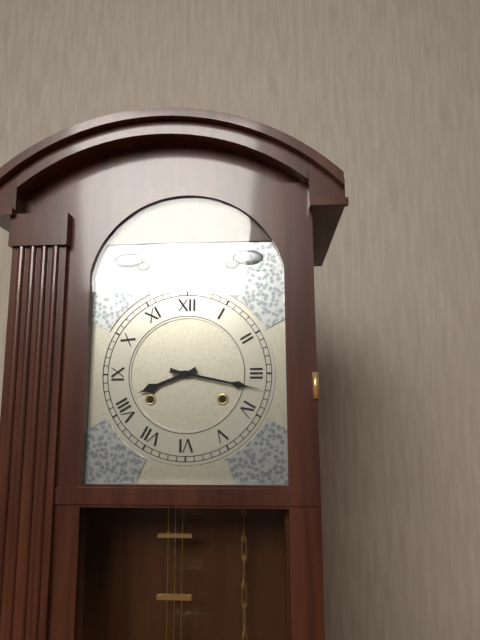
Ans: 8:17
